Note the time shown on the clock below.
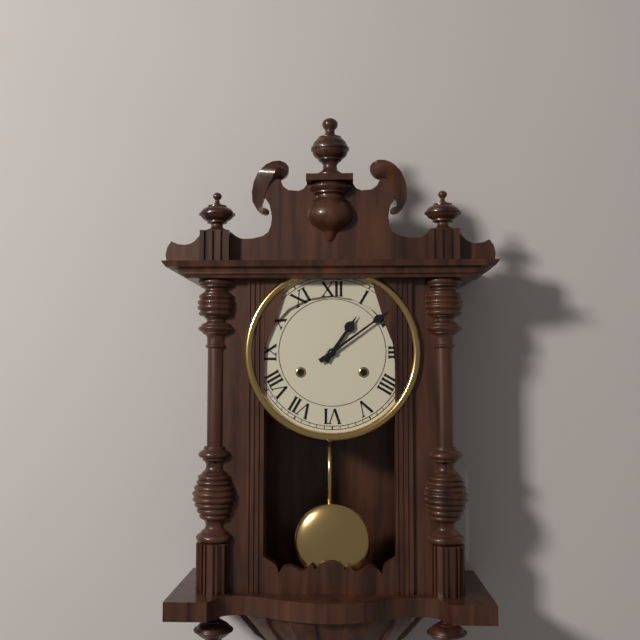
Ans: 1:09
